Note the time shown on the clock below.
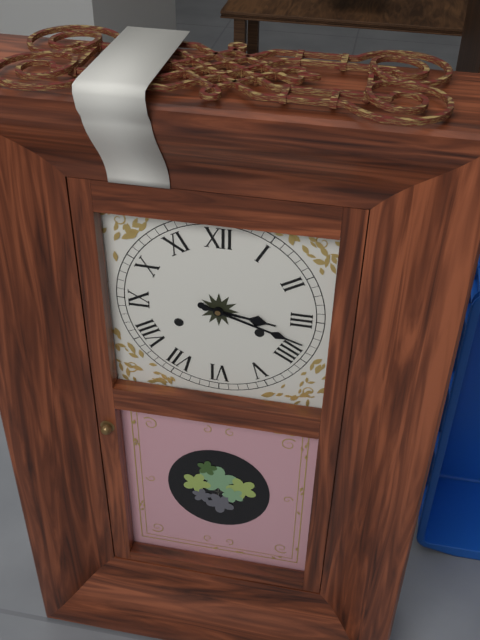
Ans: 3:18
